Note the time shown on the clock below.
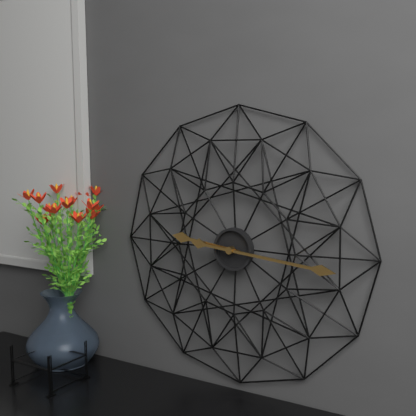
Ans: 9:16
